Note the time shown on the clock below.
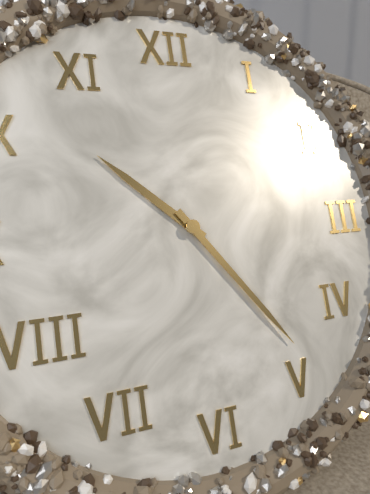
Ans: 10:24
